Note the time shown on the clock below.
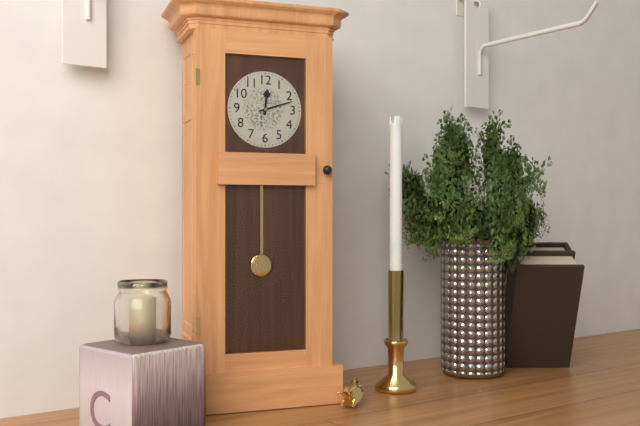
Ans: 12:12
